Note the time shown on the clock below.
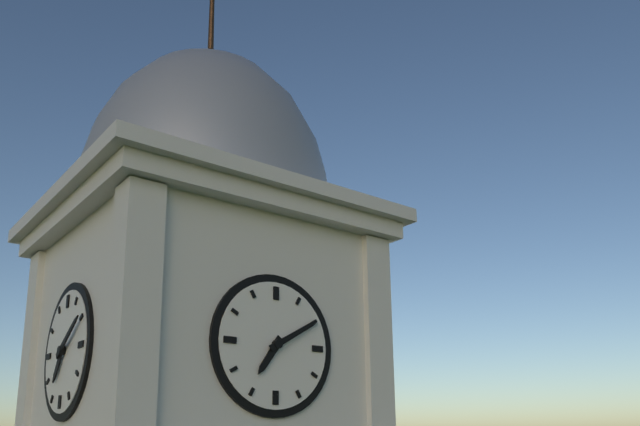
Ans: 7:10
